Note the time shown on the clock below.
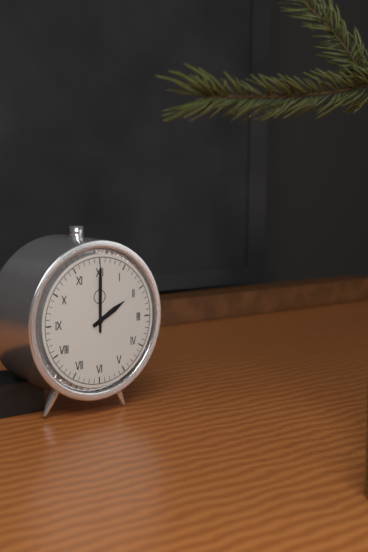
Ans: 2:00
